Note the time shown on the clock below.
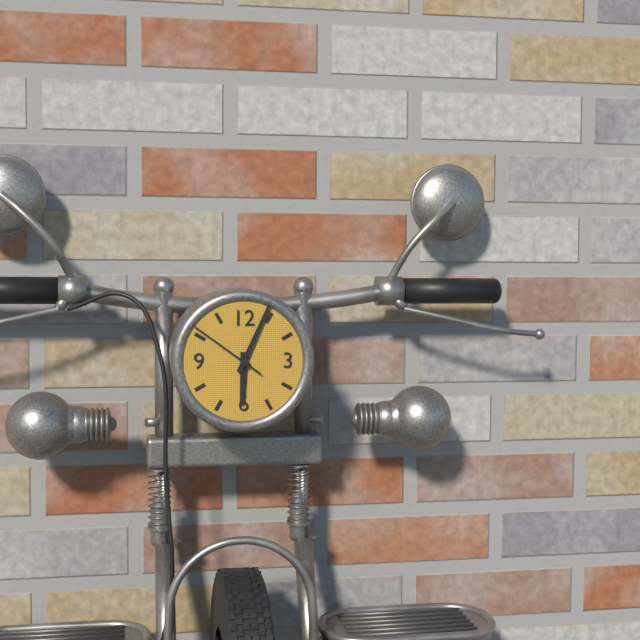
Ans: 6:04:51
